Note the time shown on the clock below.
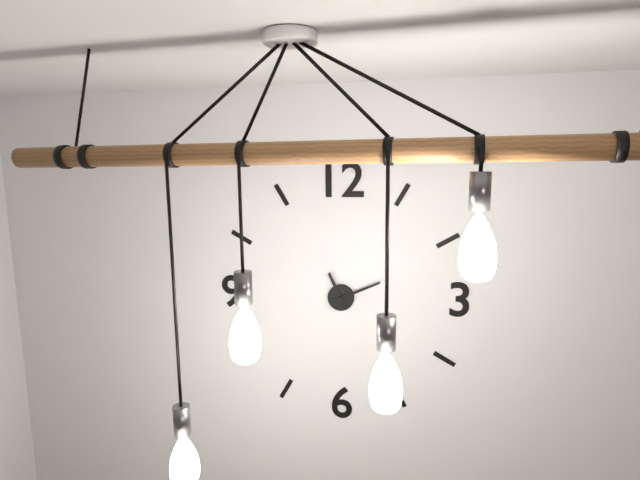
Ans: 11:11
